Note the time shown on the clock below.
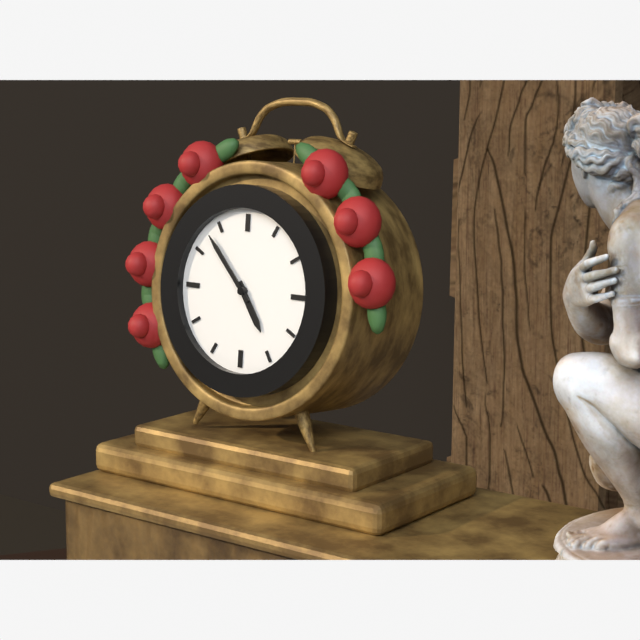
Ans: 4:53
